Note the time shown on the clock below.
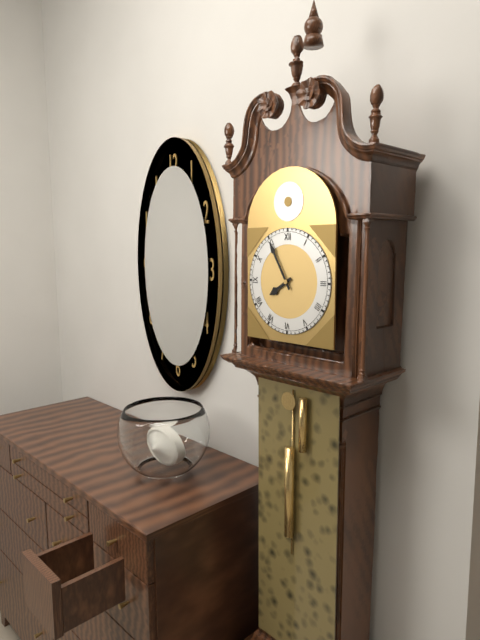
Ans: 7:55
